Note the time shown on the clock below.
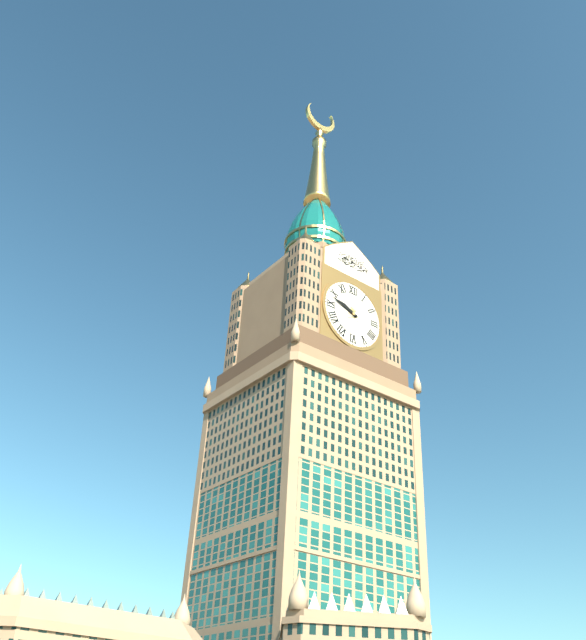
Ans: 9:48
